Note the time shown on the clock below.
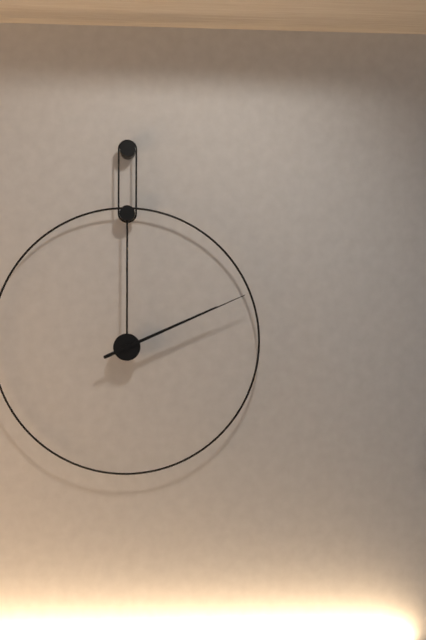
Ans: 2:11
